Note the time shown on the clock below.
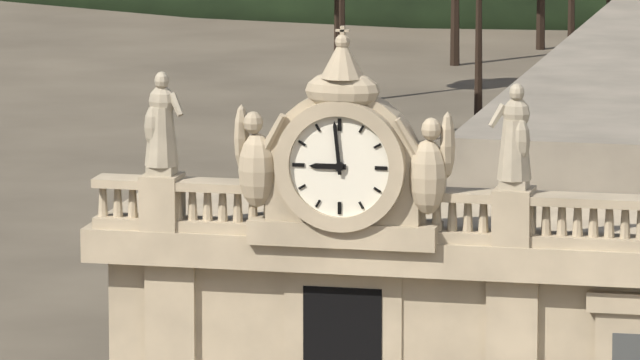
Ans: 8:59
